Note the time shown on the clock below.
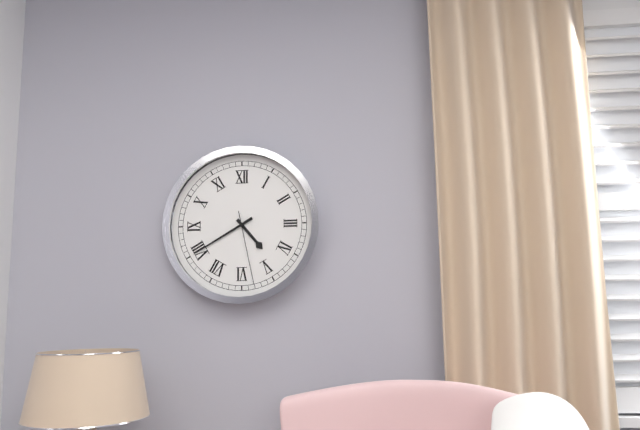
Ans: 4:40:28
